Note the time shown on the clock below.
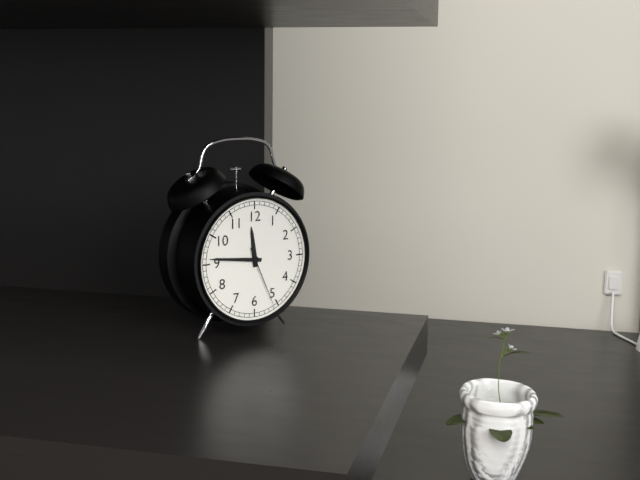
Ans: 11:46:26
